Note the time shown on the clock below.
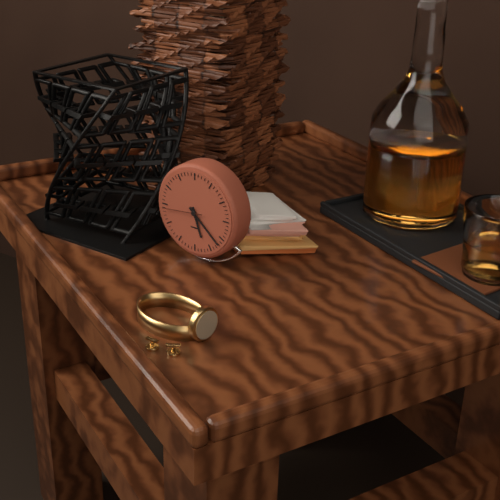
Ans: 5:22
